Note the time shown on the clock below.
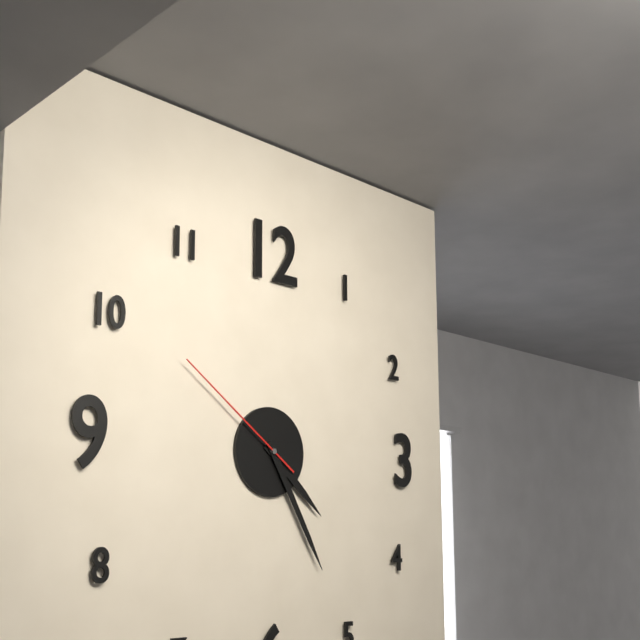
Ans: 4:25:51
